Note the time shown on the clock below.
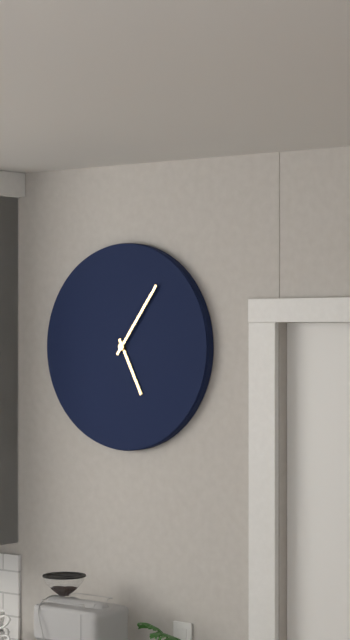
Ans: 5:06
